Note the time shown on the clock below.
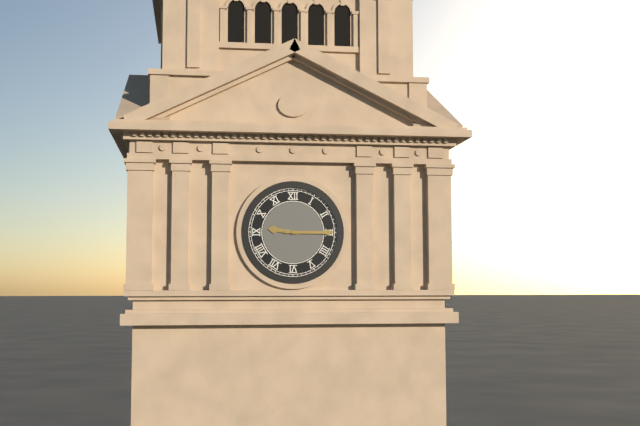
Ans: 9:15
